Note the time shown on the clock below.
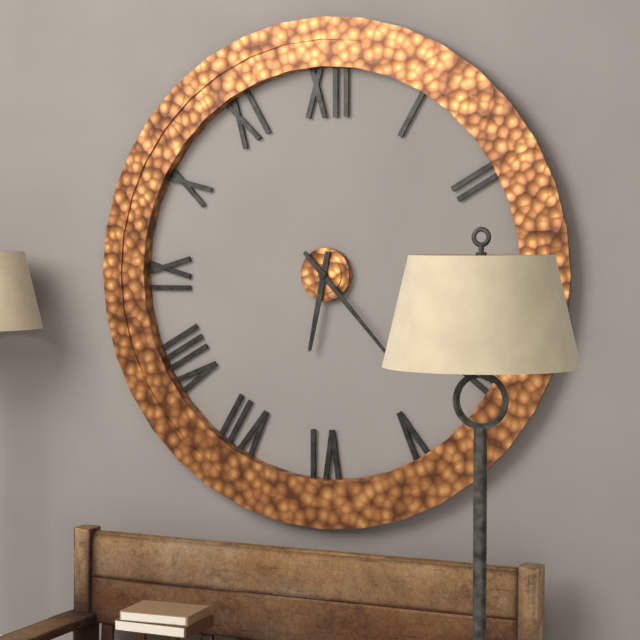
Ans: 6:23
